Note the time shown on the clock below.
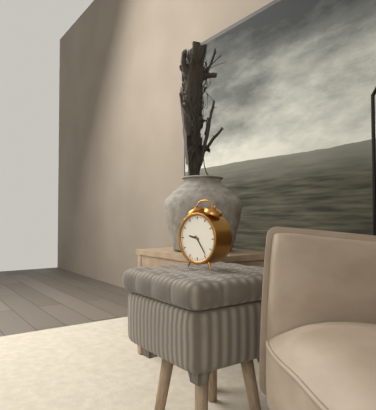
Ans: 9:24
